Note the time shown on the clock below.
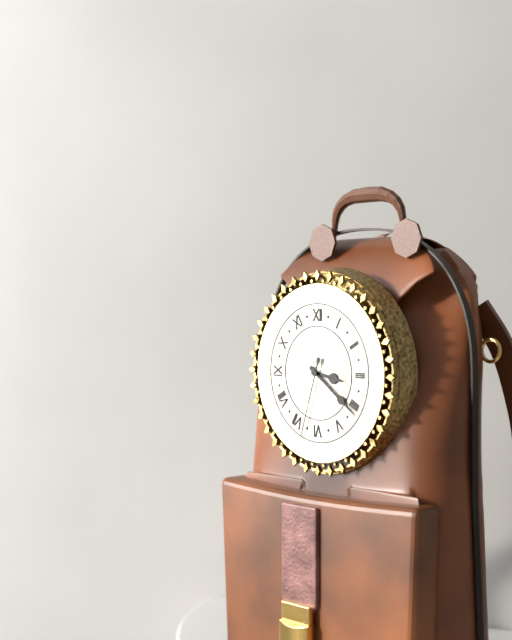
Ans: 3:21:33
